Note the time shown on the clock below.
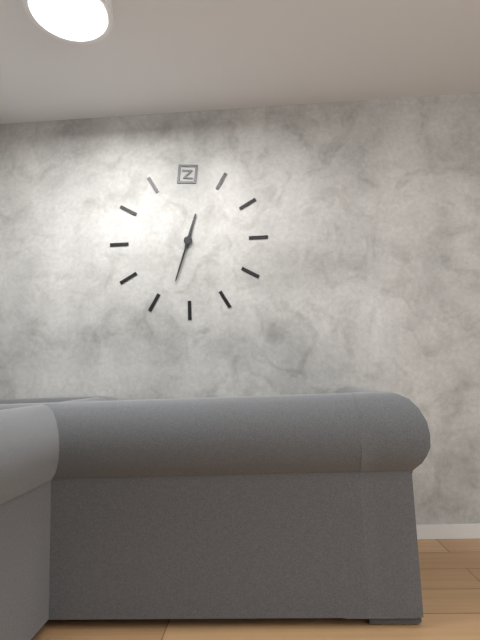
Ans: 12:33
